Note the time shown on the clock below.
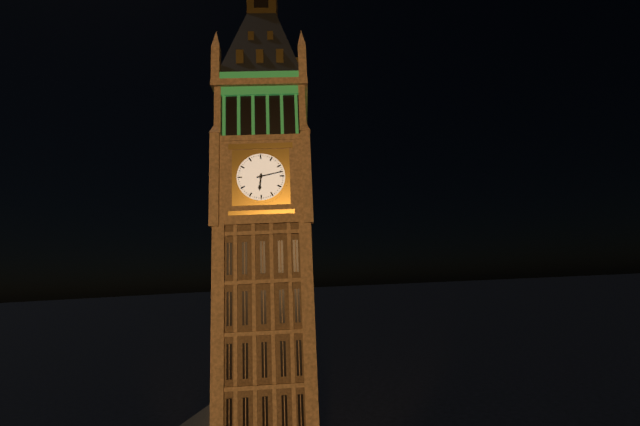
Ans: 6:13
